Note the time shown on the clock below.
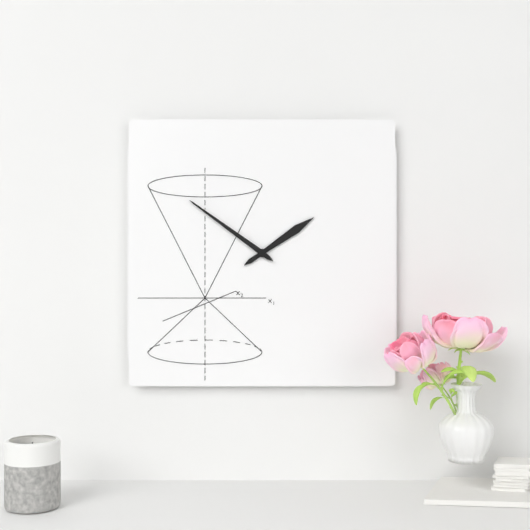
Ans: 1:51
